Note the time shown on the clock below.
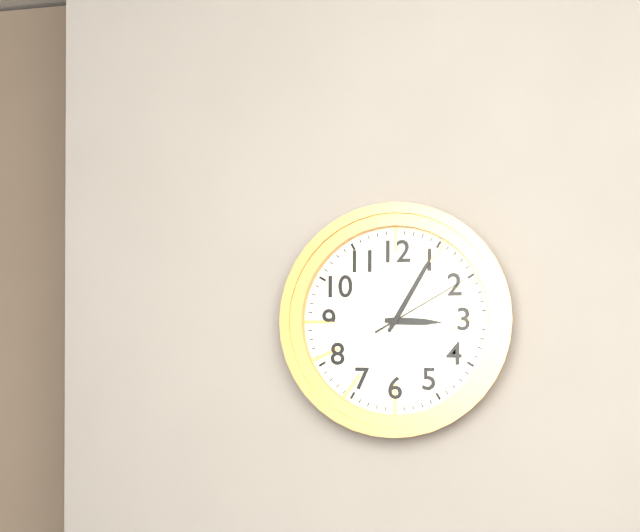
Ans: 3:05:10
